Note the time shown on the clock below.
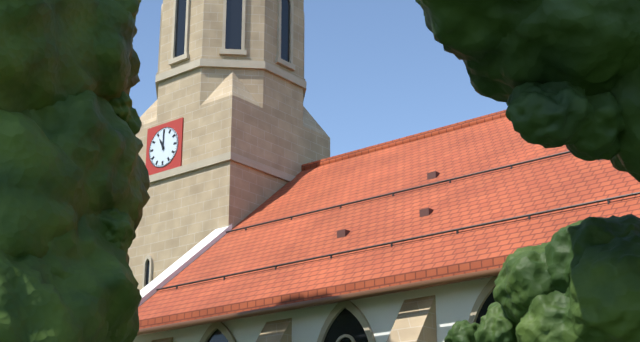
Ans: 11:00
